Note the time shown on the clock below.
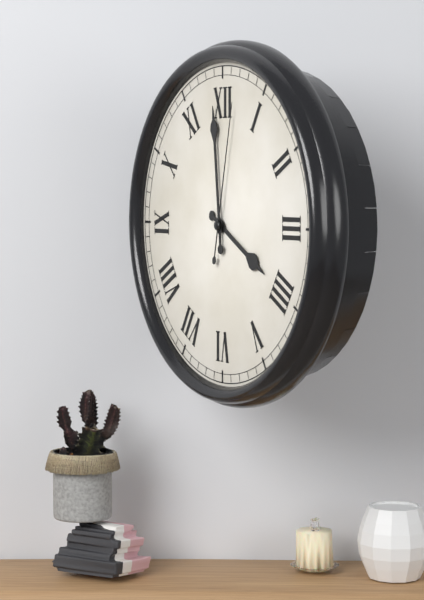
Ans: 3:59:02
